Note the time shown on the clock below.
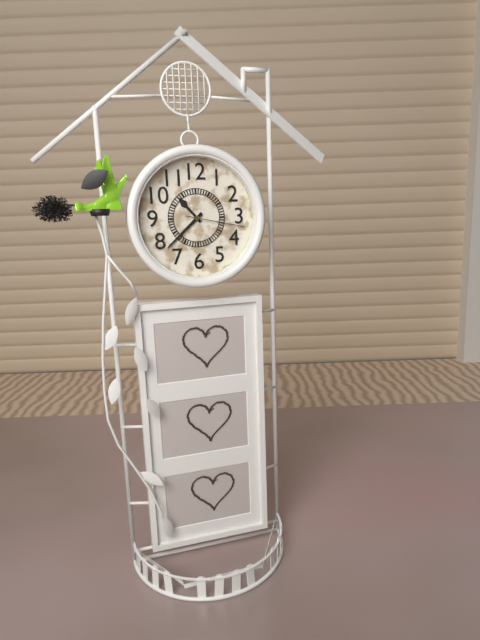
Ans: 10:38:17
